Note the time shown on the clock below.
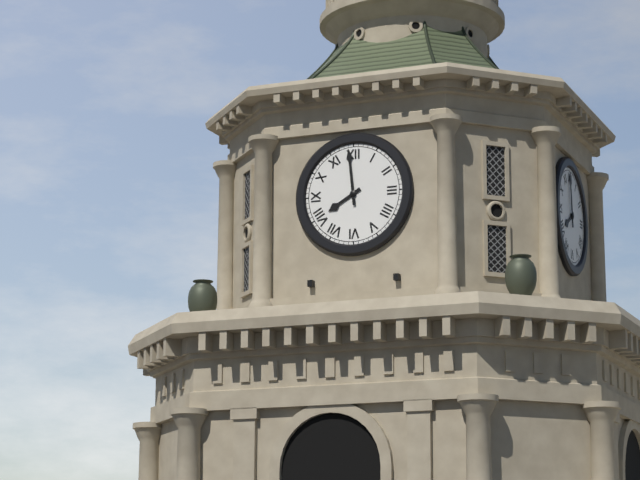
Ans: 7:59
